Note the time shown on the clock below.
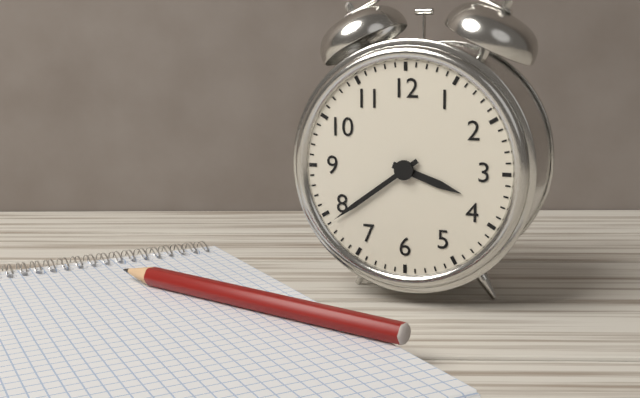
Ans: 3:39
